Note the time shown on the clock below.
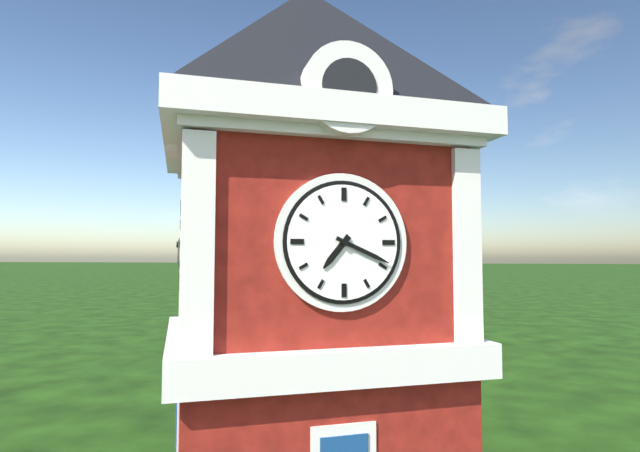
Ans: 7:19
